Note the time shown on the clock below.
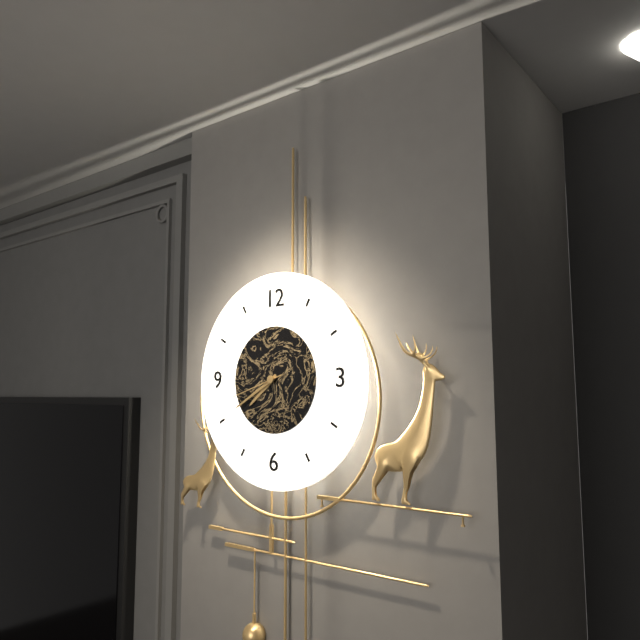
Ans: 7:40:42
